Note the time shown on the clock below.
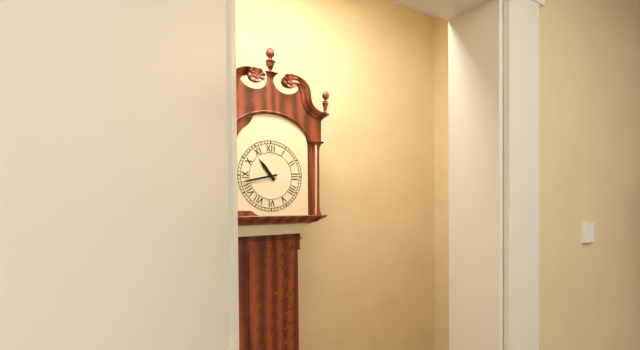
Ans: 10:43
